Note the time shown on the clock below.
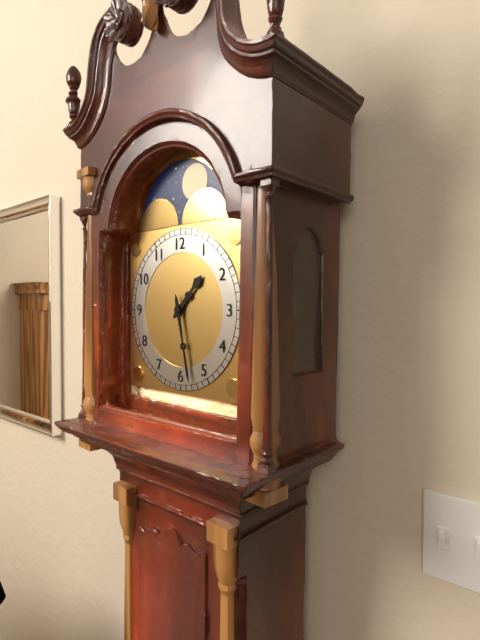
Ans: 1:28
